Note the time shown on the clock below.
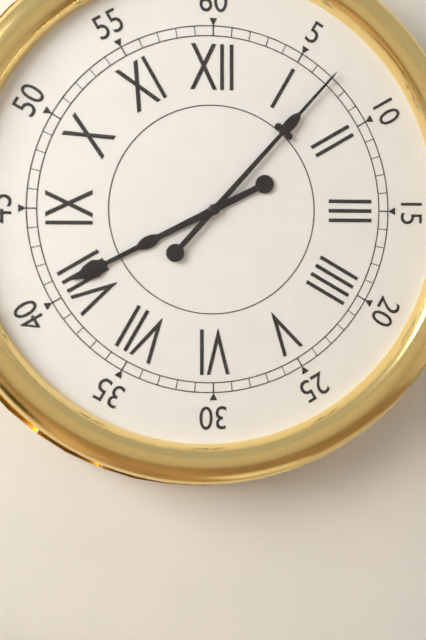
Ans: 8:07
